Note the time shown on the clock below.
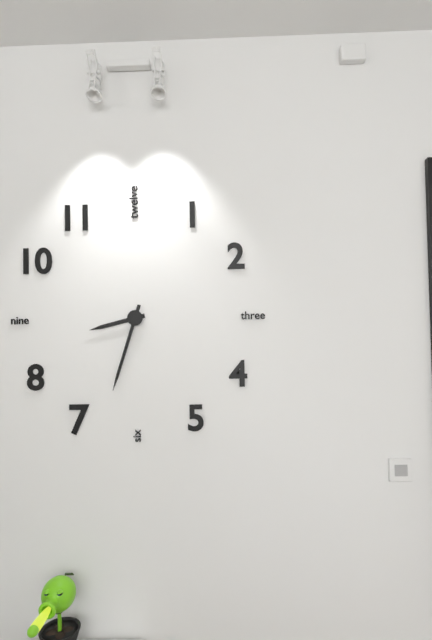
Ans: 8:33
